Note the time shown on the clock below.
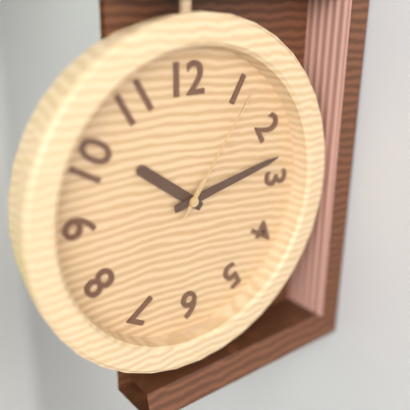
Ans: 10:13:06
